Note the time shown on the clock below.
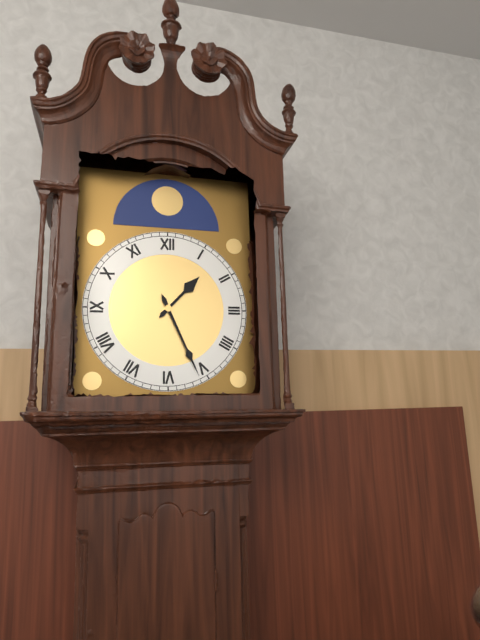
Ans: 1:26
